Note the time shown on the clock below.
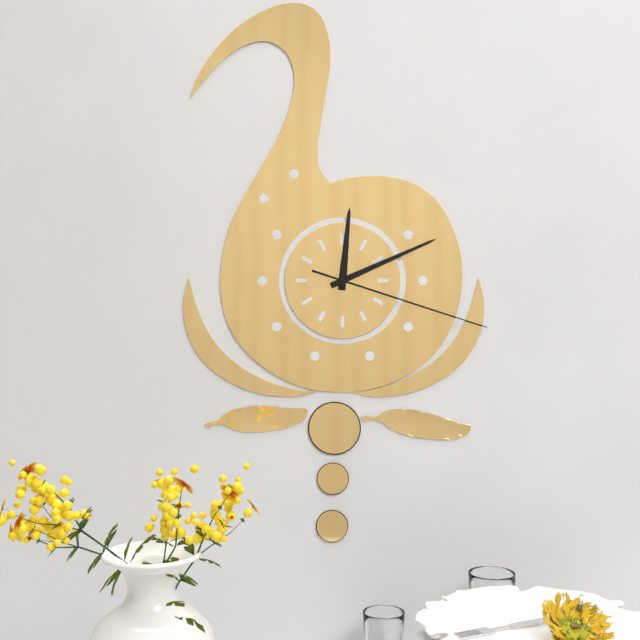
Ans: 12:11:18
